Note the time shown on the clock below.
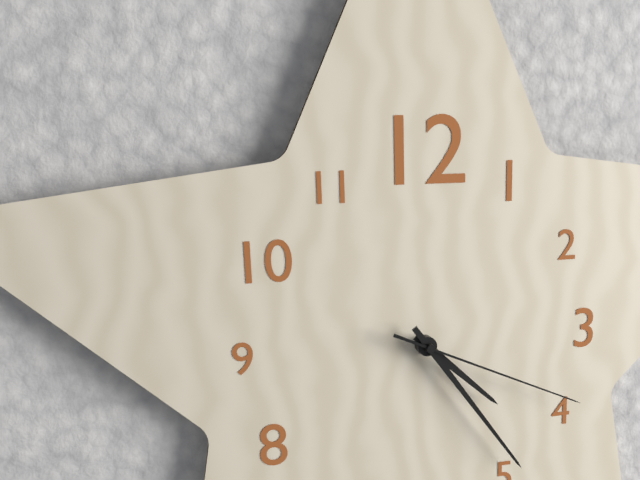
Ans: 4:24:19
